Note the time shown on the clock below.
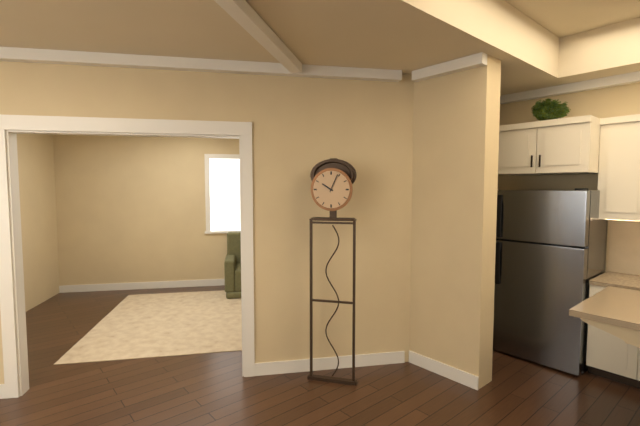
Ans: 10:04
